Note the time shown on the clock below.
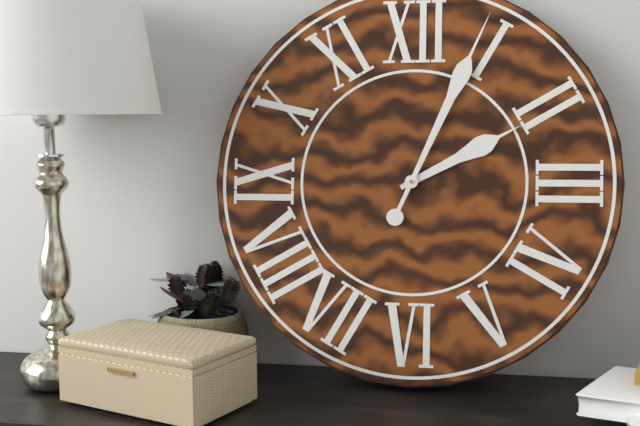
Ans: 2:04
